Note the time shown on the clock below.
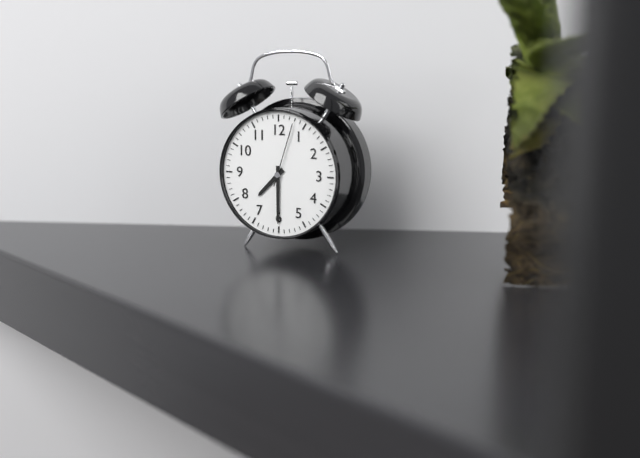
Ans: 7:30:03
